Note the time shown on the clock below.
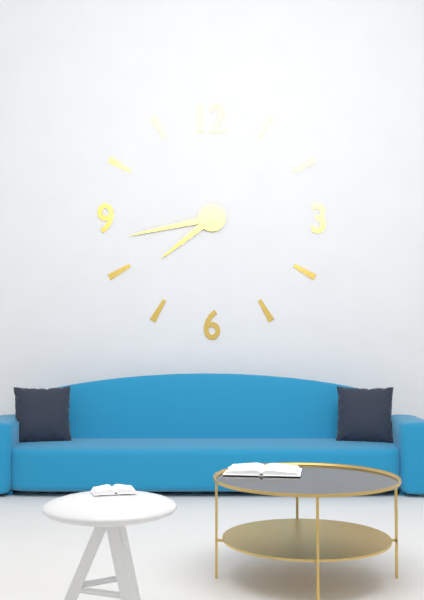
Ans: 7:43
